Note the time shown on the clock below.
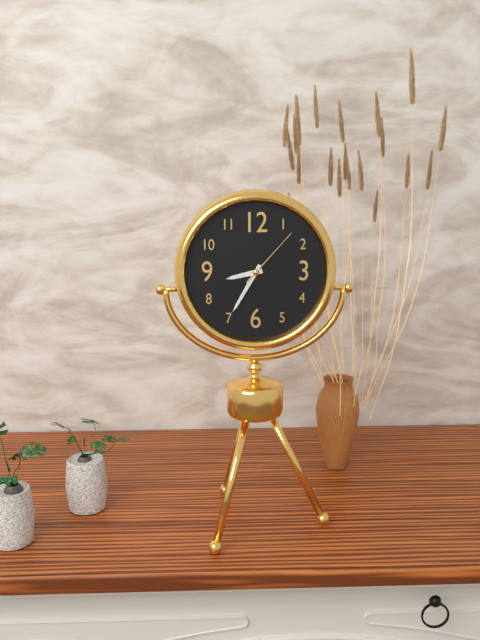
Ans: 8:35:07
